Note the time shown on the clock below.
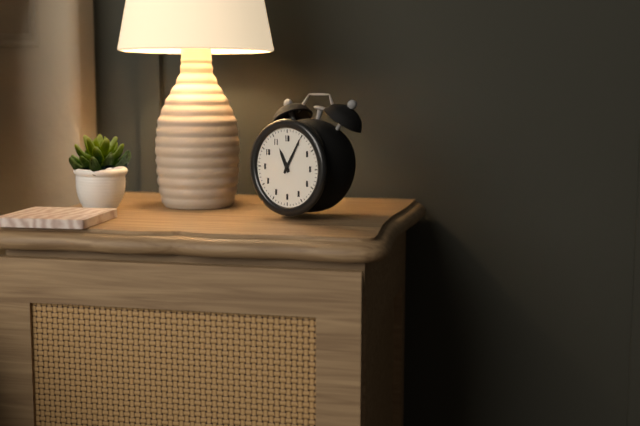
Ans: 11:05
